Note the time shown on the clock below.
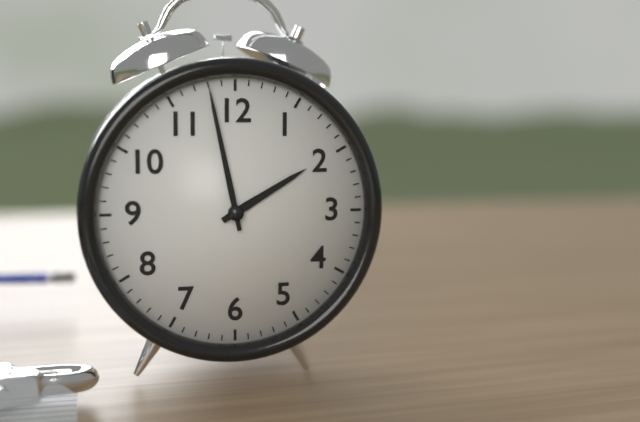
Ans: 1:58
